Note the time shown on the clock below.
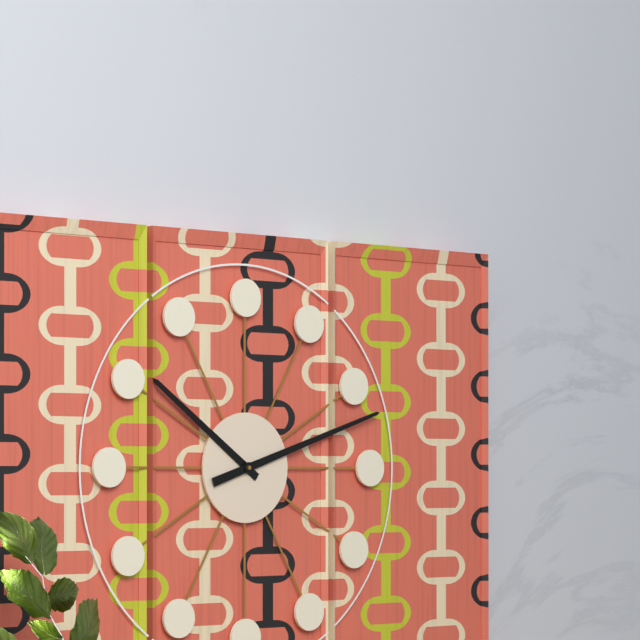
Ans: 10:12
